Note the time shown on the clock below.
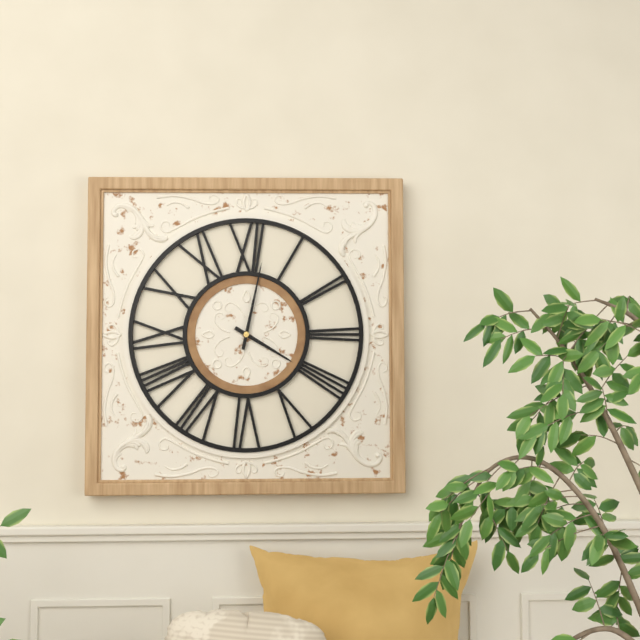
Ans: 4:02
